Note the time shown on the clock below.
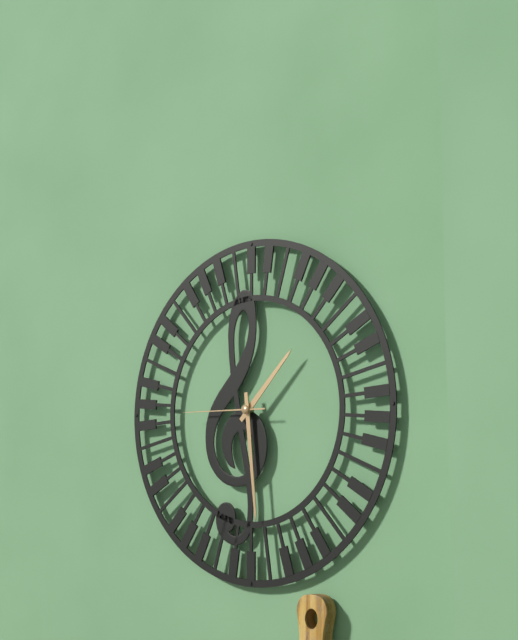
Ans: 1:29:45
